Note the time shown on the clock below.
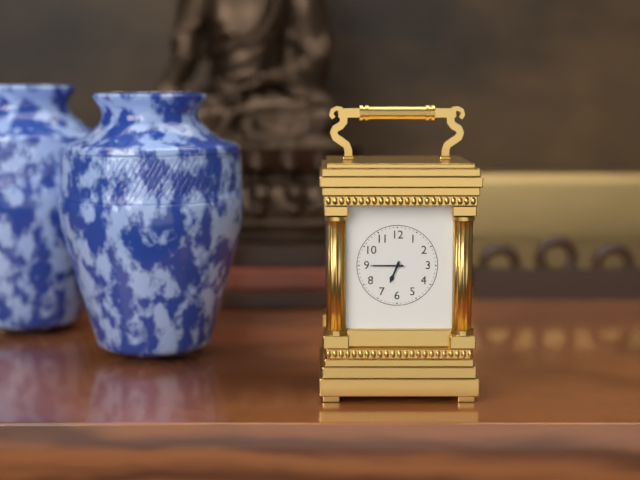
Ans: 6:45
